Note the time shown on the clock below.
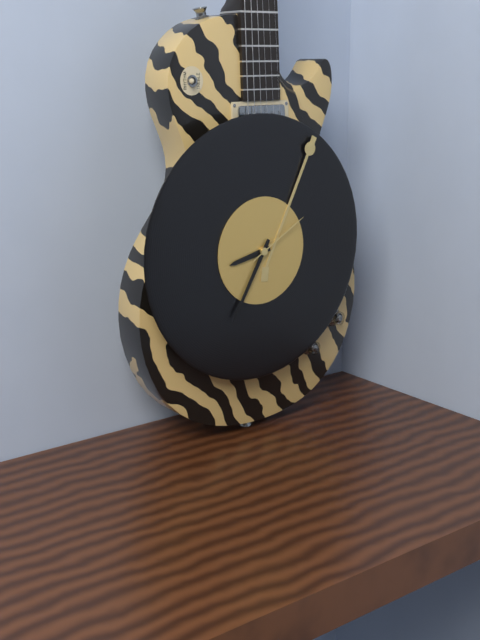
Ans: 8:35:10
